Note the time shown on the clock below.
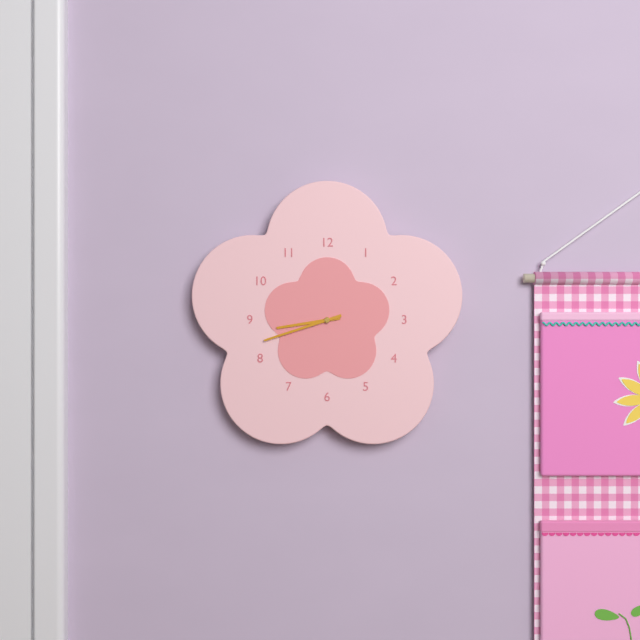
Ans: 8:42
